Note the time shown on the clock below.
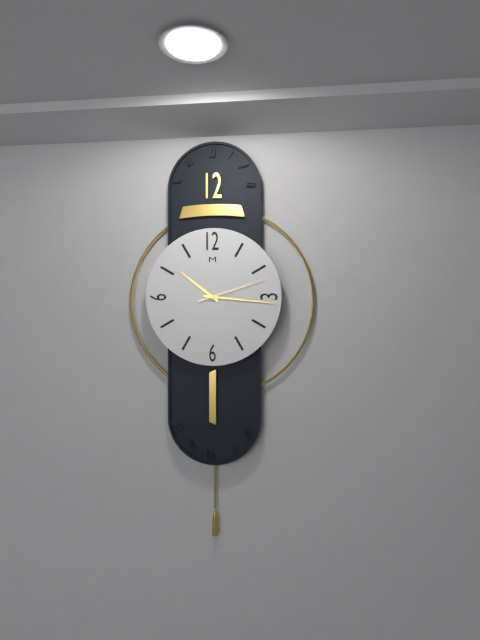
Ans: 10:16:12
